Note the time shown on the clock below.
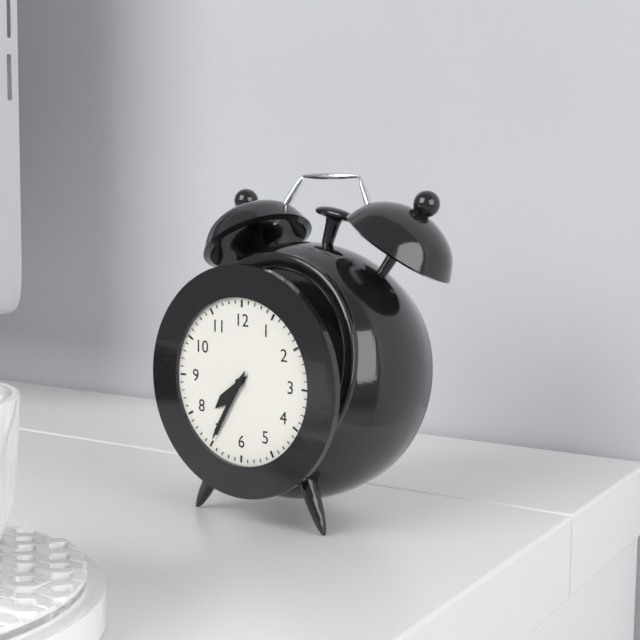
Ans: 7:35
